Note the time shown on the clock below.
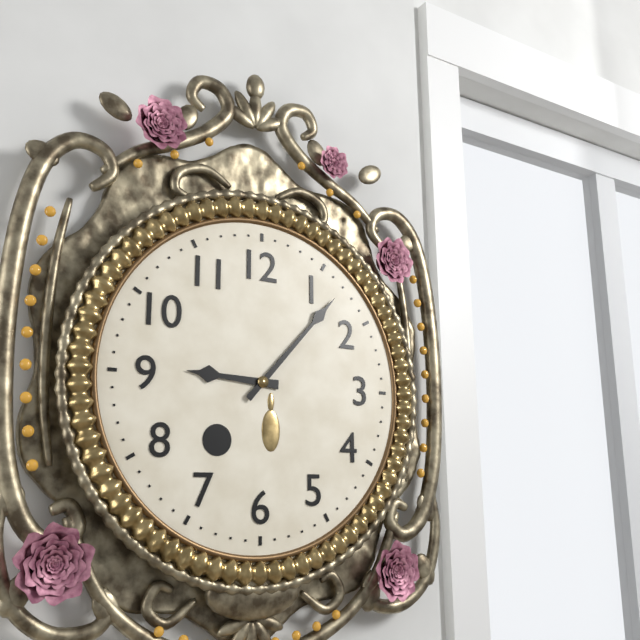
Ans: 9:07
